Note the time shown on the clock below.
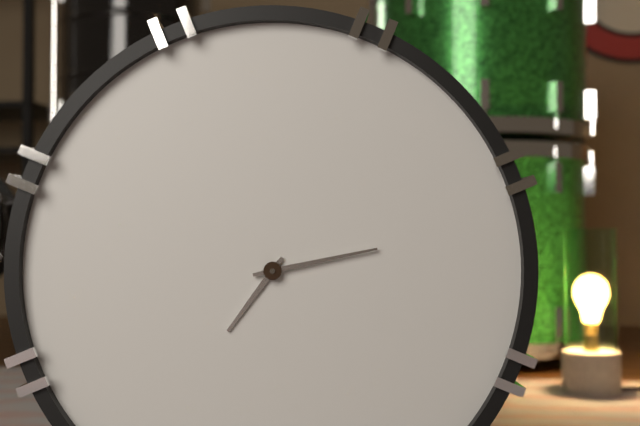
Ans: 7:13
